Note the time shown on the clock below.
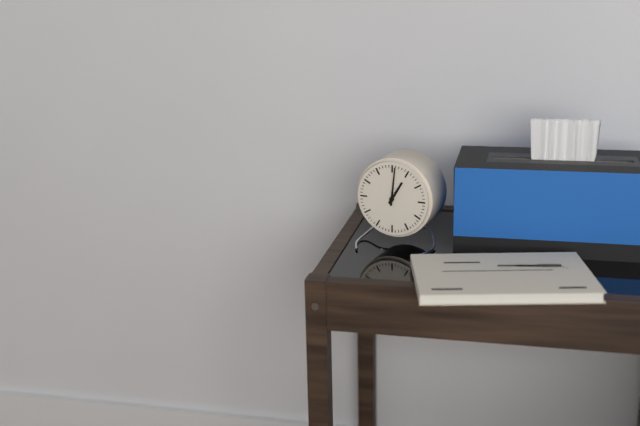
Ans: 1:01
